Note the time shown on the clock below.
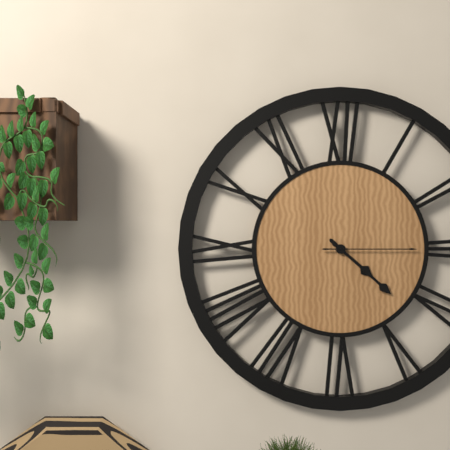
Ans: 4:22:15
